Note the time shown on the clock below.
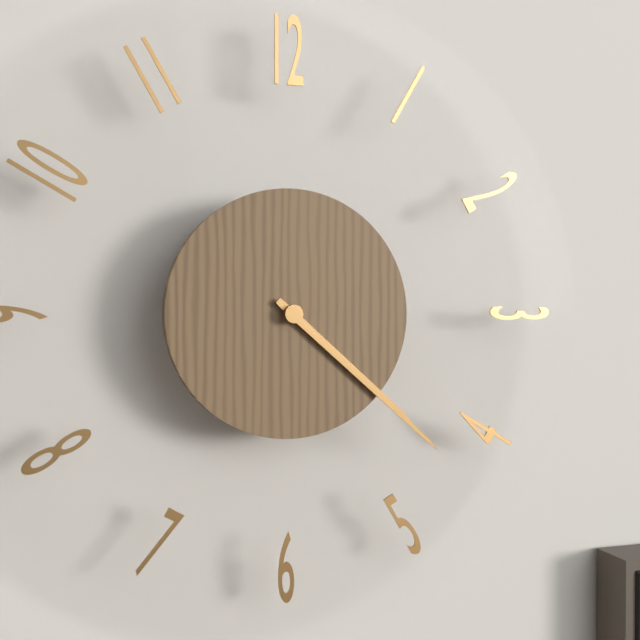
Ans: 4:22
